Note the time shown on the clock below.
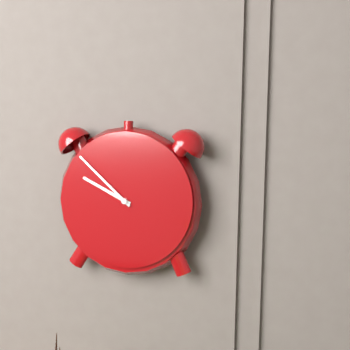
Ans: 9:52
